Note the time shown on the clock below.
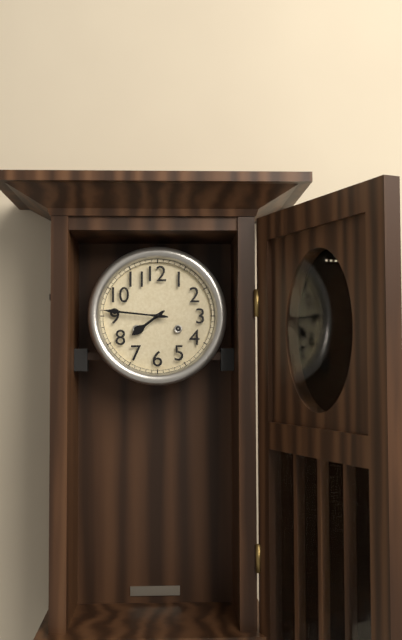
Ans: 7:46
